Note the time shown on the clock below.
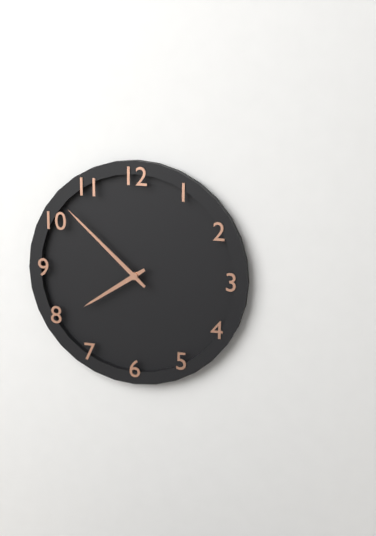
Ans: 7:52
